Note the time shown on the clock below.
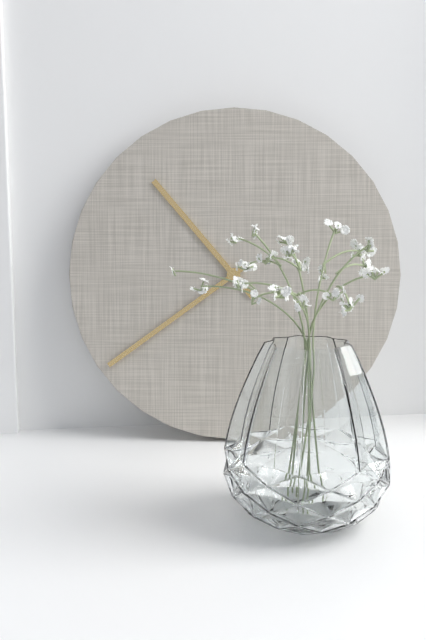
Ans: 10:39
